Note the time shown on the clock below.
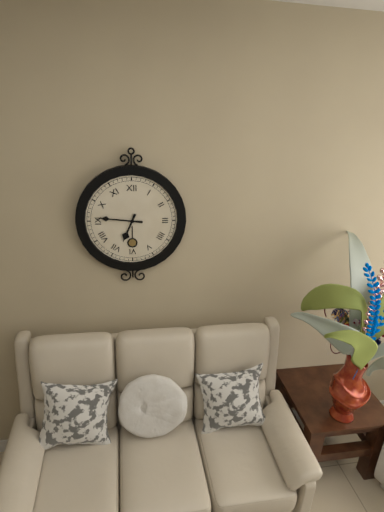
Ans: 6:46
